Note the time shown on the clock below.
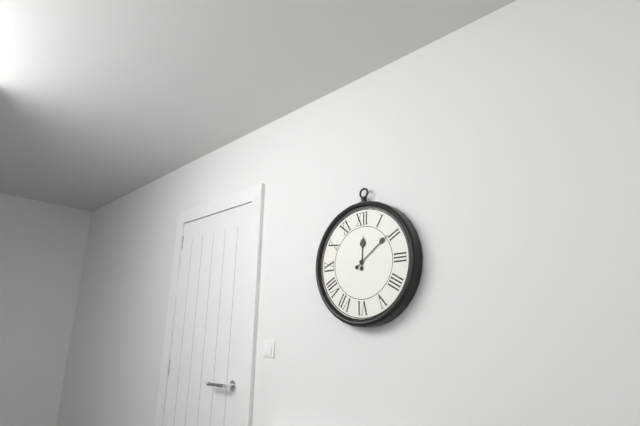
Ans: 12:09
